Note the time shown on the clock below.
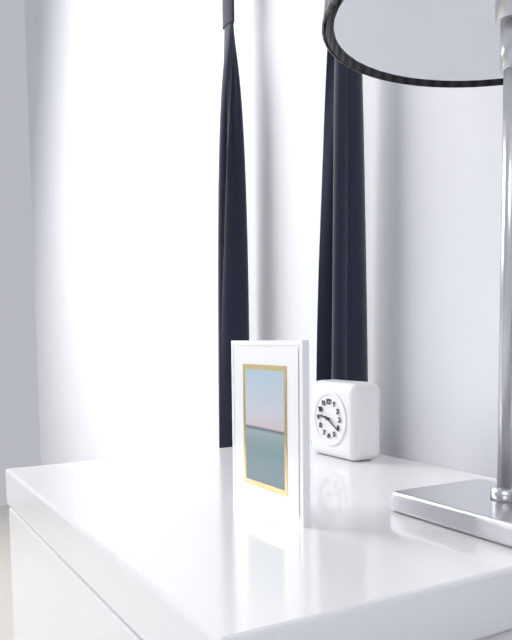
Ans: 9:20
